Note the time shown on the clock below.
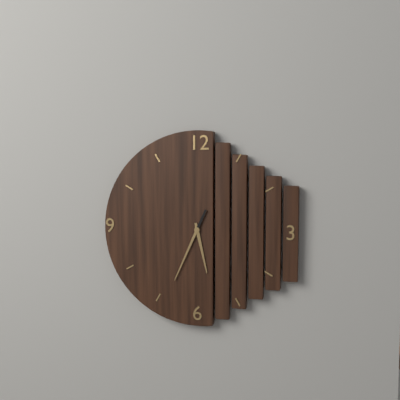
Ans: 5:34
